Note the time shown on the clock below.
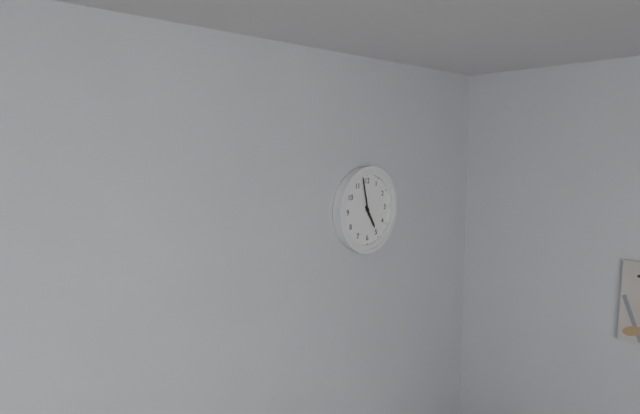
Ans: 4:58
